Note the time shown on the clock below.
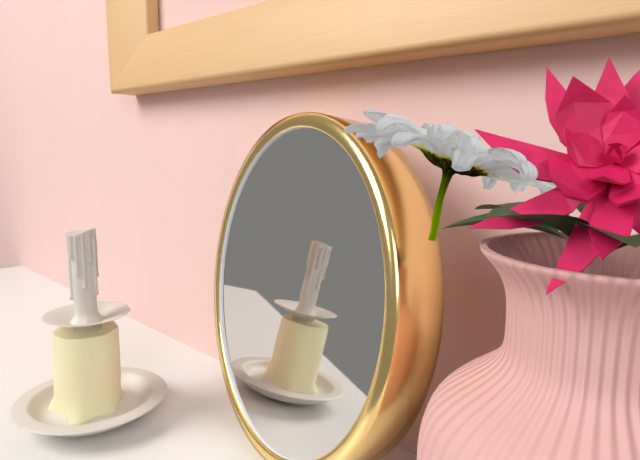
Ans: 1:08:41
